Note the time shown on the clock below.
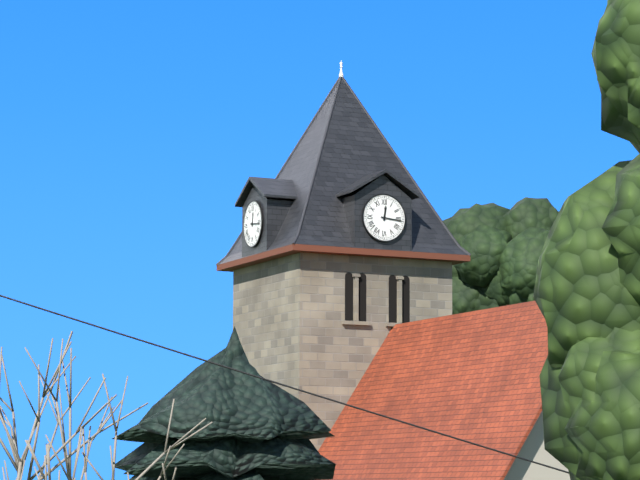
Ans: 12:16
